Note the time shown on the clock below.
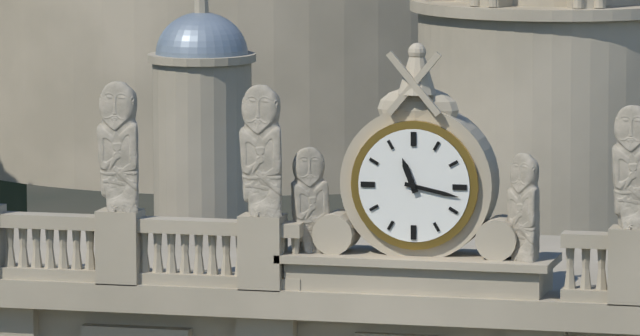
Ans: 11:17
